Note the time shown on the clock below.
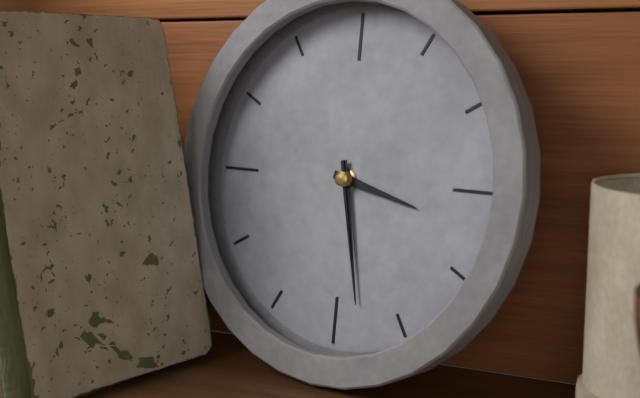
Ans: 3:28:28
